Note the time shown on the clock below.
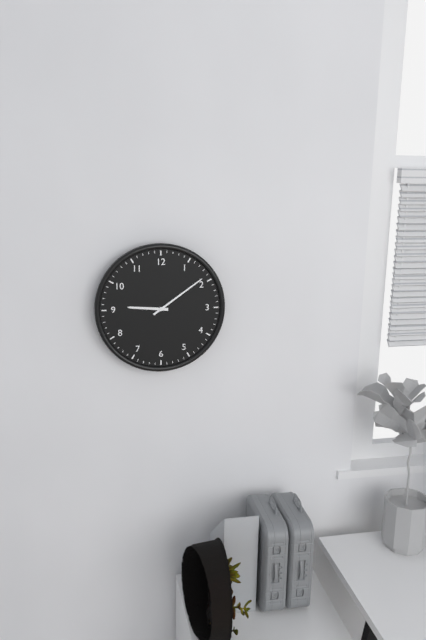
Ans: 9:09
